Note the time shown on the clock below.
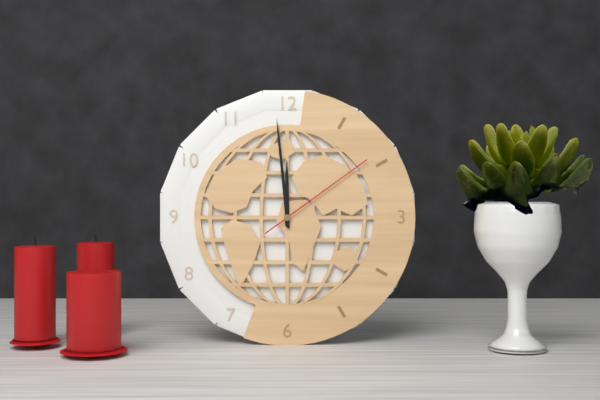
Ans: 11:59:09
